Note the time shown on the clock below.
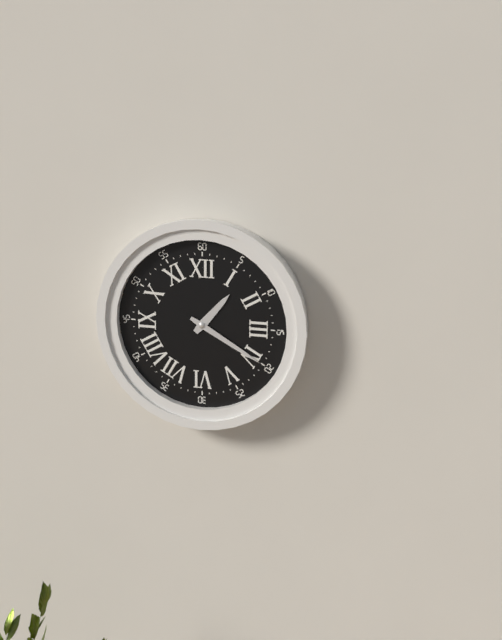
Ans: 1:20
